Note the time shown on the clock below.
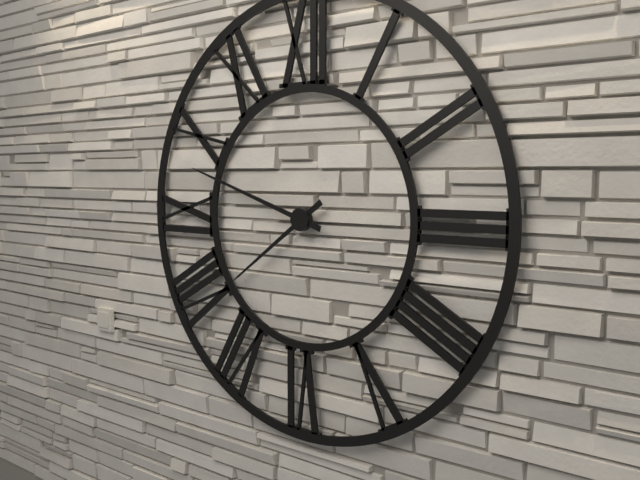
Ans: 7:48
